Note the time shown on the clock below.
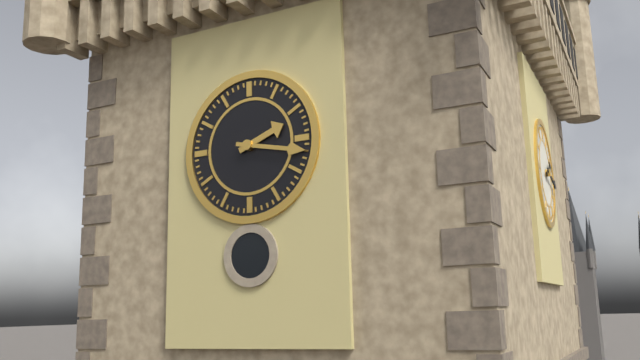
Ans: 2:17
